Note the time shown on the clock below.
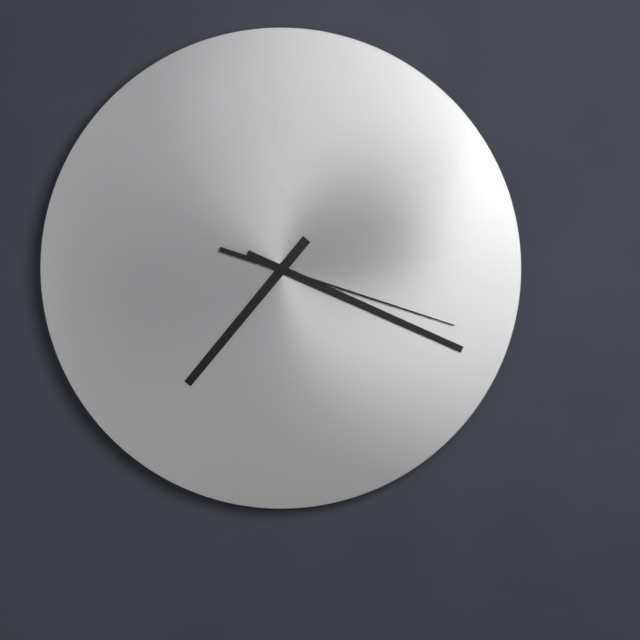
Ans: 7:19:18
